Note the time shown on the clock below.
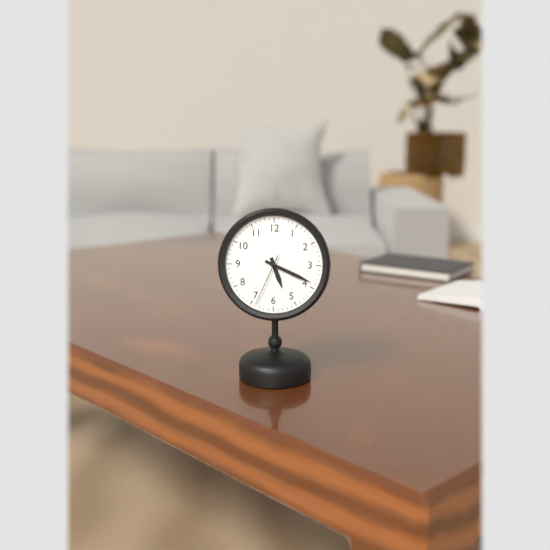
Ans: 5:19:34
